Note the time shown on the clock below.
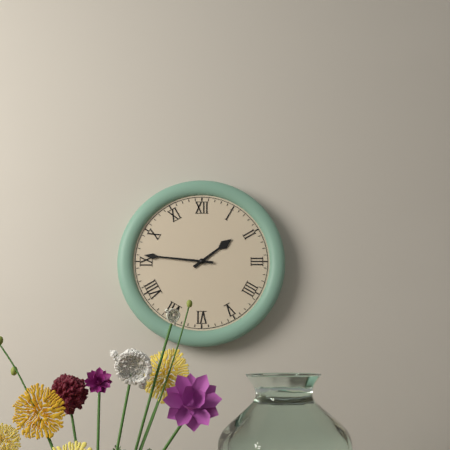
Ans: 1:46
